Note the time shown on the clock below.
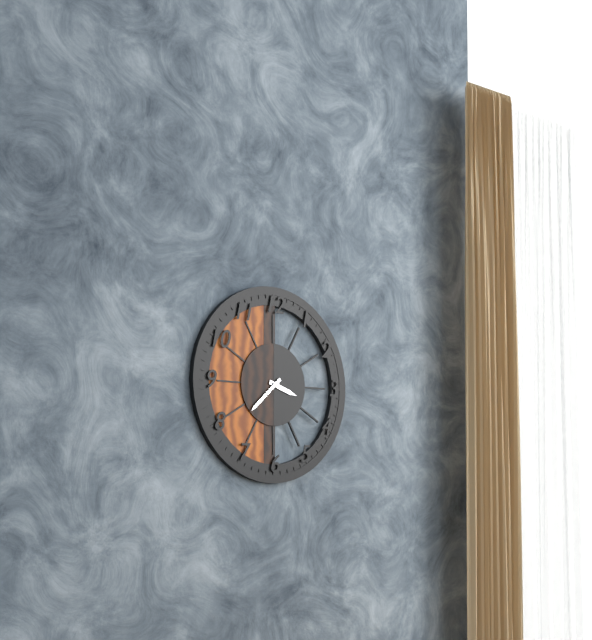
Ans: 3:38
